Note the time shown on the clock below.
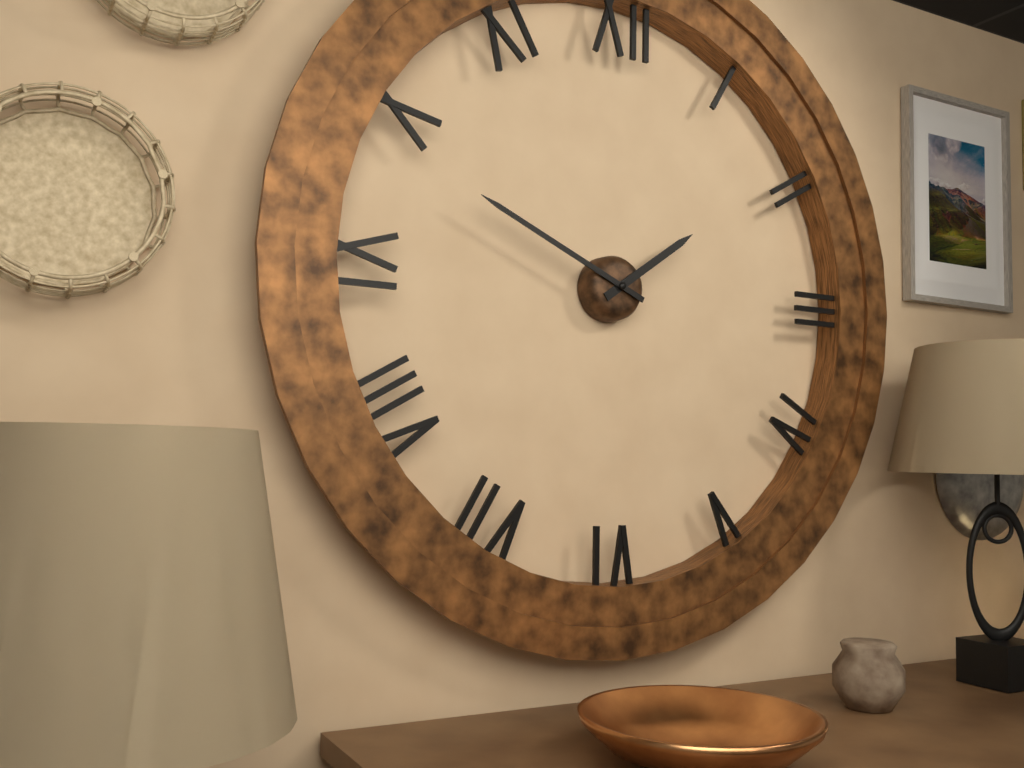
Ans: 1:49
